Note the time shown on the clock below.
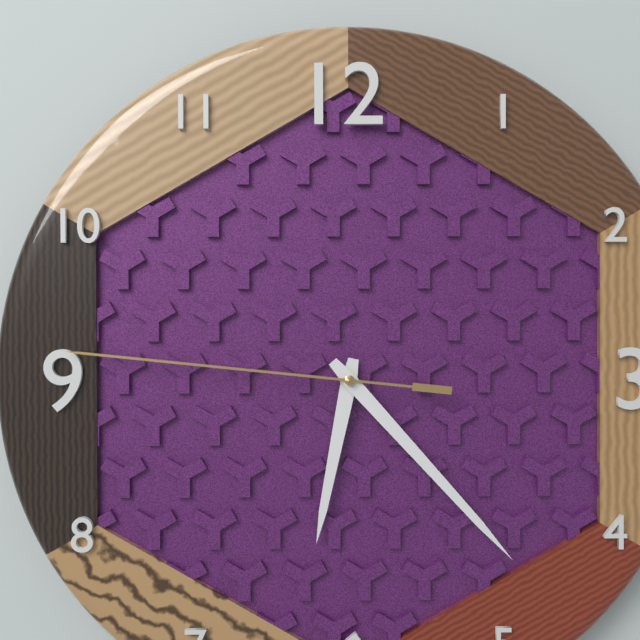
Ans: 6:23:46
